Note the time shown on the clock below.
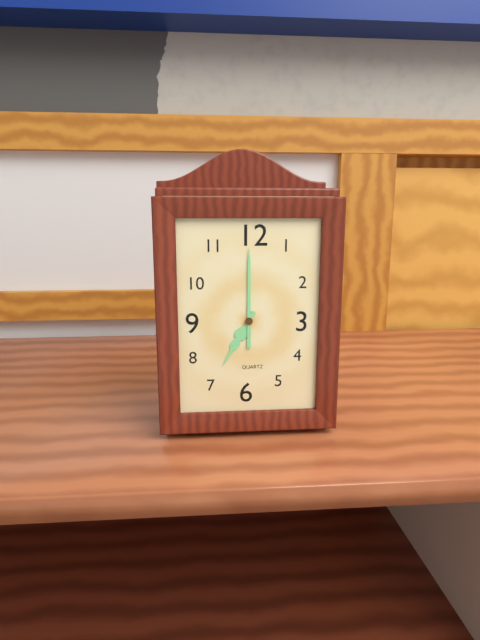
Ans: 7:00
